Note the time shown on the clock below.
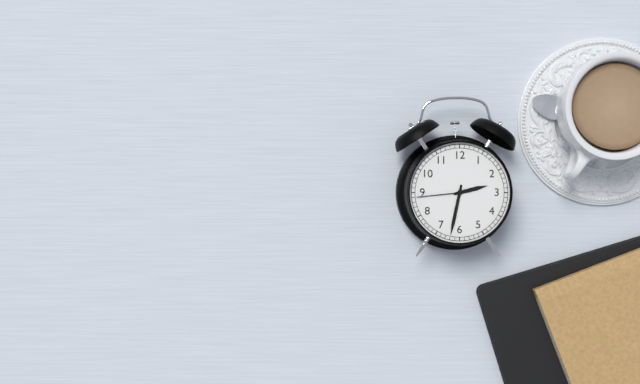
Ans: 2:32:44
